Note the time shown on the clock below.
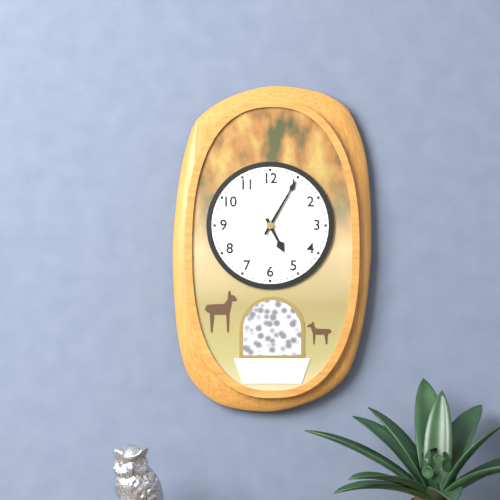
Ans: 5:05
